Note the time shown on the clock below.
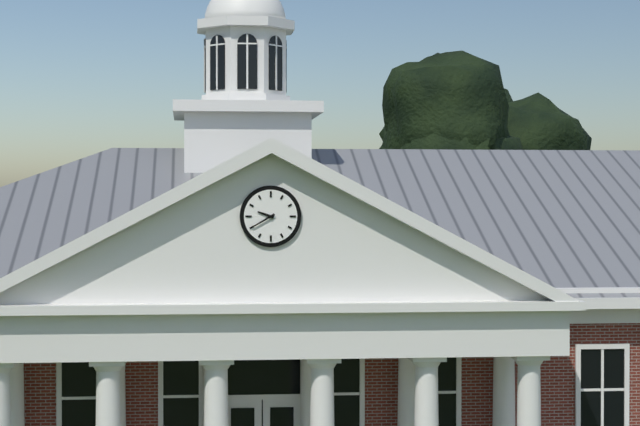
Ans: 9:40
